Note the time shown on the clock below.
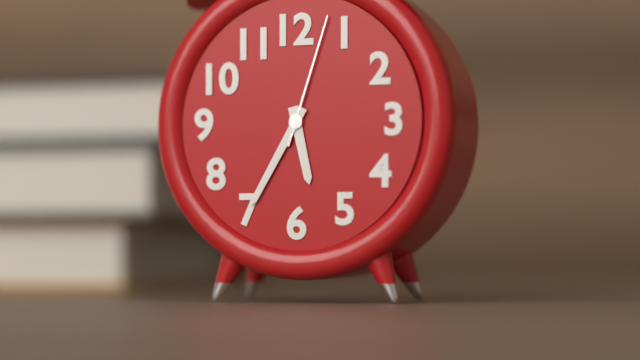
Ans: 5:35:03
